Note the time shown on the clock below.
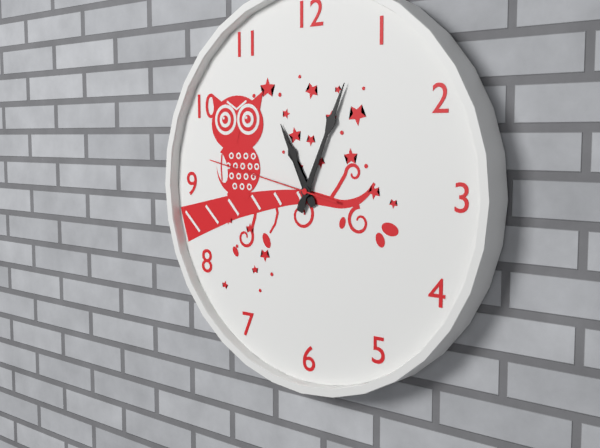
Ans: 11:04:47
